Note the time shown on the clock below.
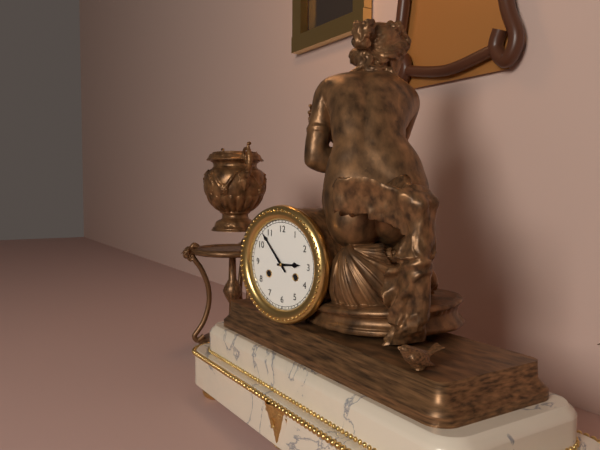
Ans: 2:53
